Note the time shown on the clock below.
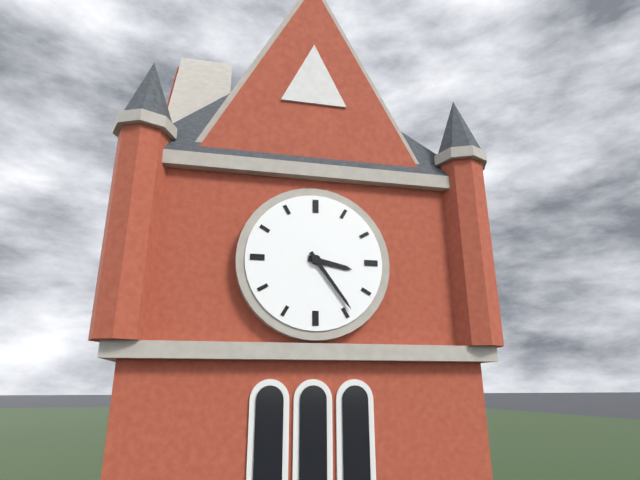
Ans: 3:24
